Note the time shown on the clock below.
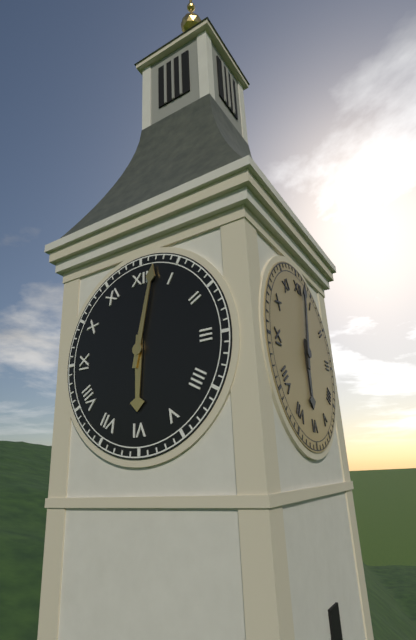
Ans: 6:02
